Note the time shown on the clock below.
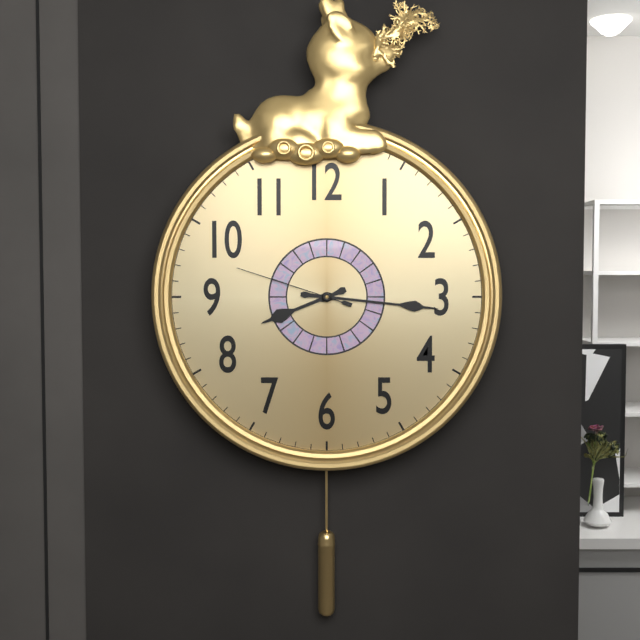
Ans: 8:16:48
